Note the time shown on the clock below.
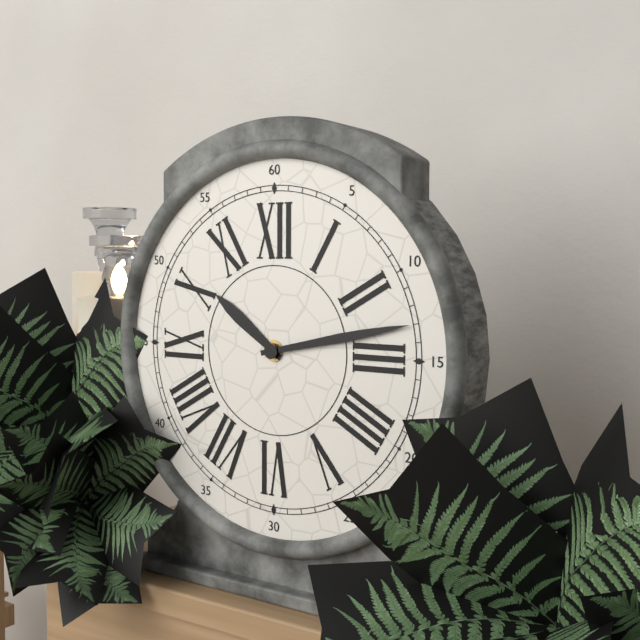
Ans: 10:13
